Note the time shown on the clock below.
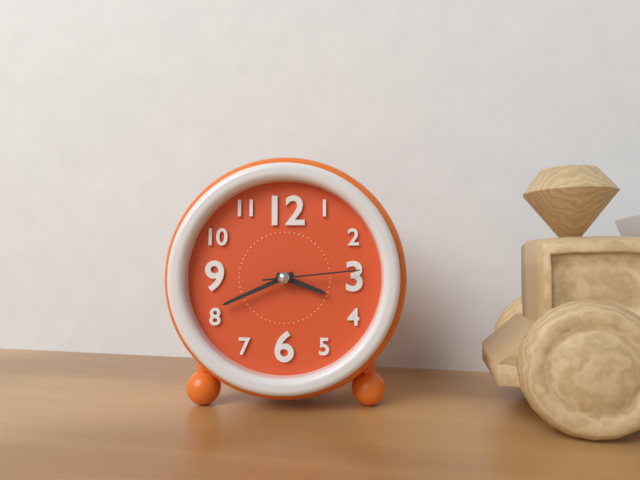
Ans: 3:41:14
